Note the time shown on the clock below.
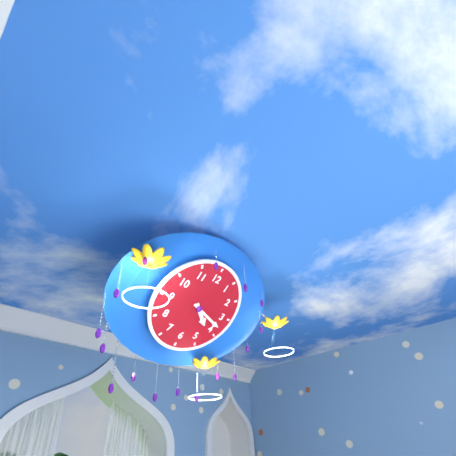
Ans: 4:18
